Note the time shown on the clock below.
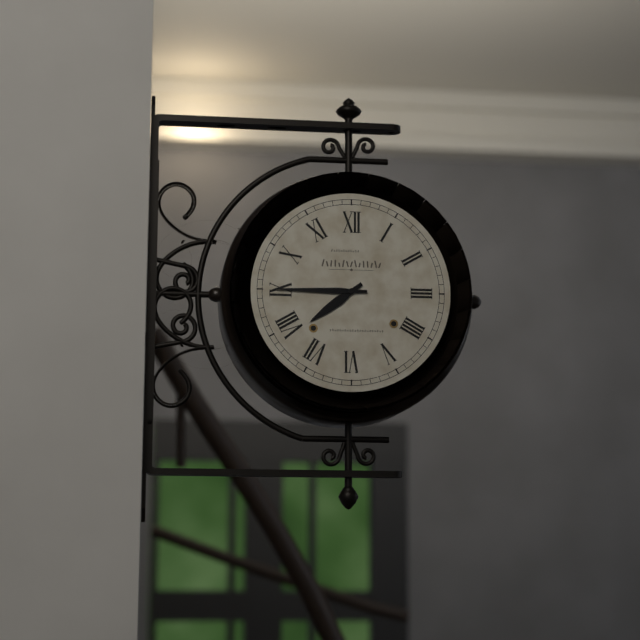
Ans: 7:45
